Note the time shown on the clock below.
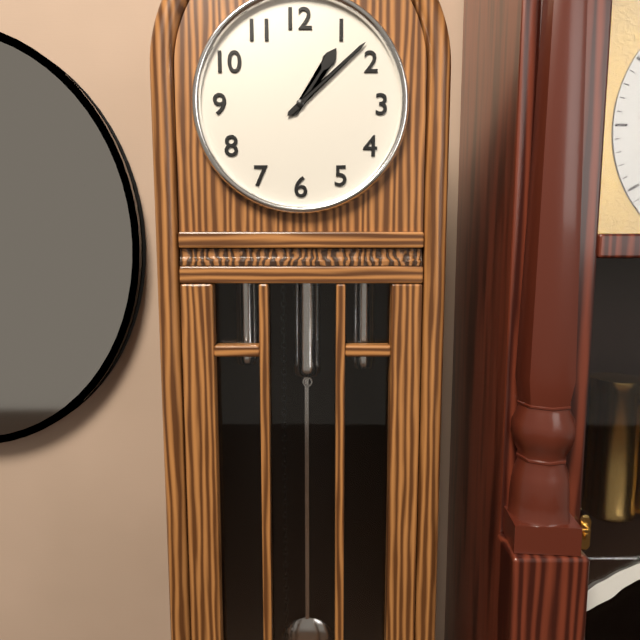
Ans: 1:08
